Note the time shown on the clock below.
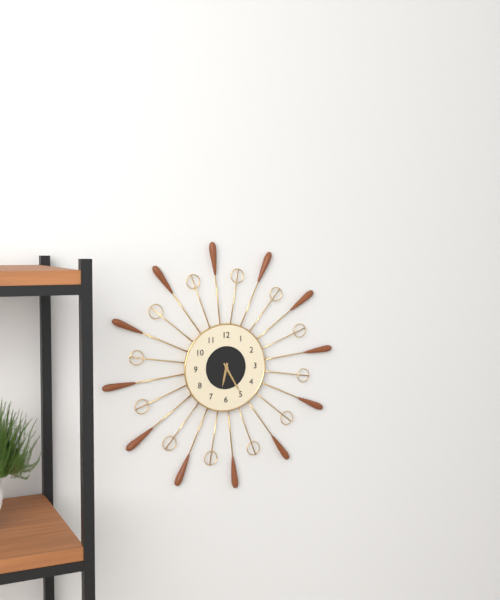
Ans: 6:25
